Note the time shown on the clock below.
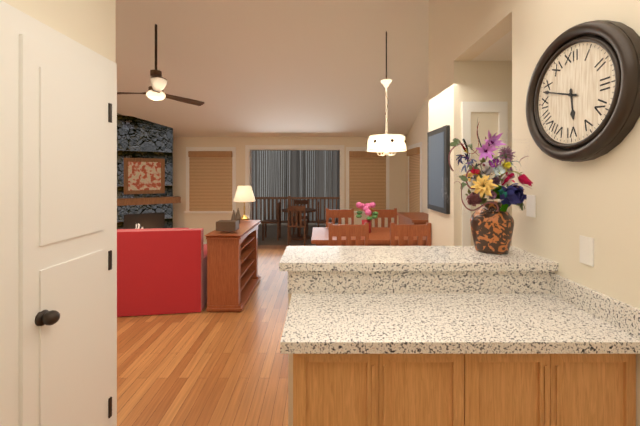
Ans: 5:48
